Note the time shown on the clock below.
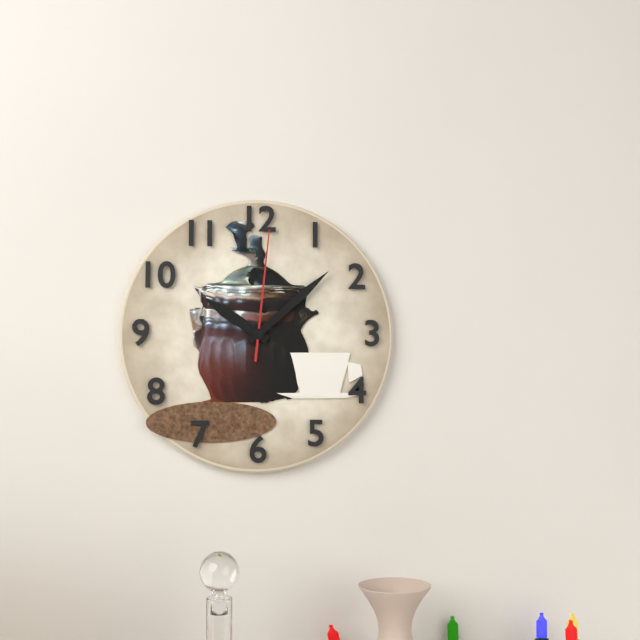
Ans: 10:08:01
